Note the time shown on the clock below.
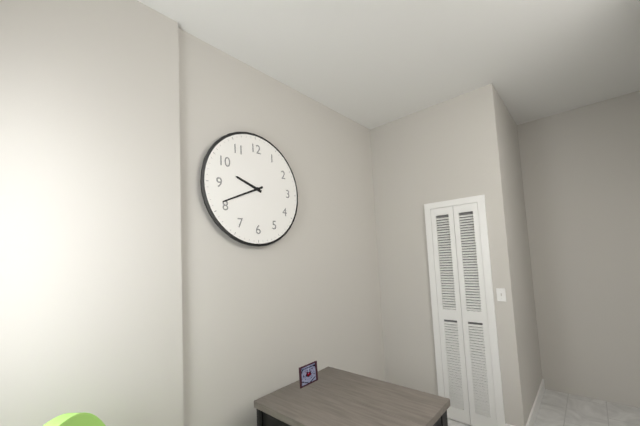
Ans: 9:41
